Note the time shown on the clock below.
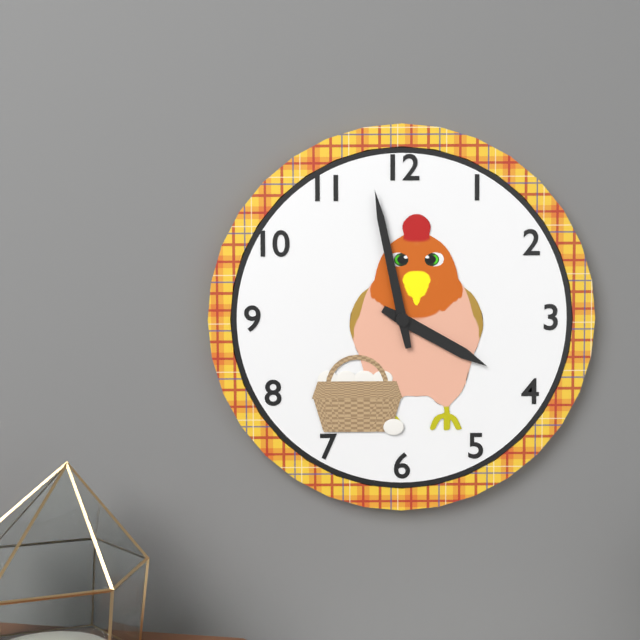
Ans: 3:58
